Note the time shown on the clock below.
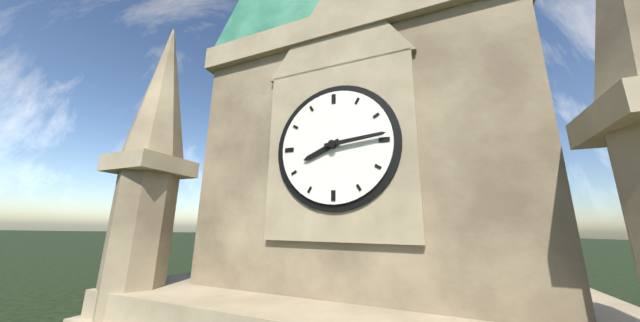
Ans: 8:14
